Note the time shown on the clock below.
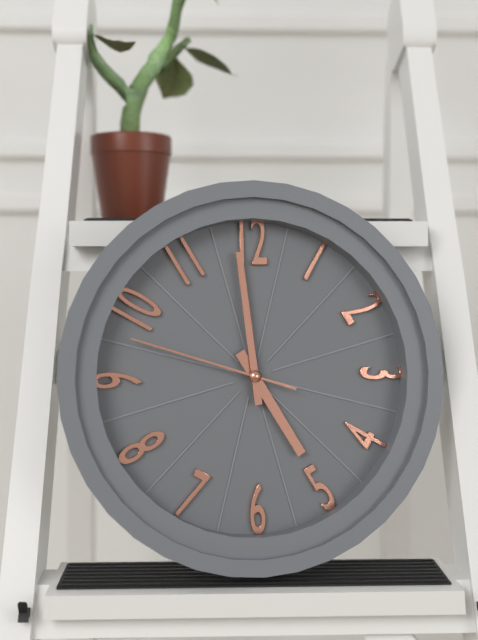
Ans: 4:59:48
